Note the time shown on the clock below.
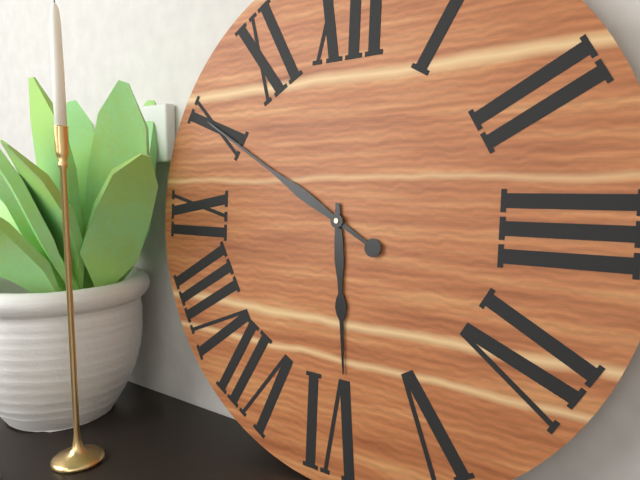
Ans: 5:50
